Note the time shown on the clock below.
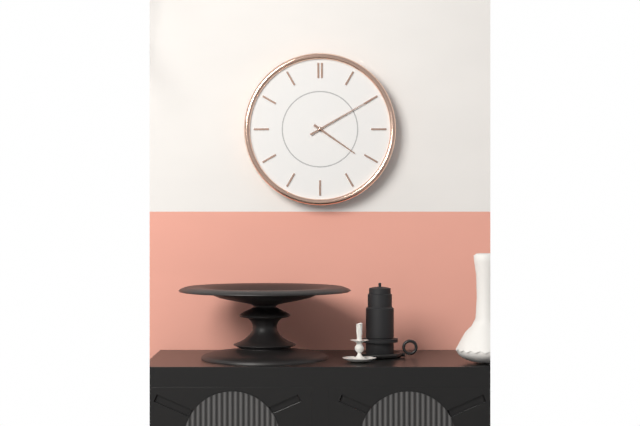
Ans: 4:10
